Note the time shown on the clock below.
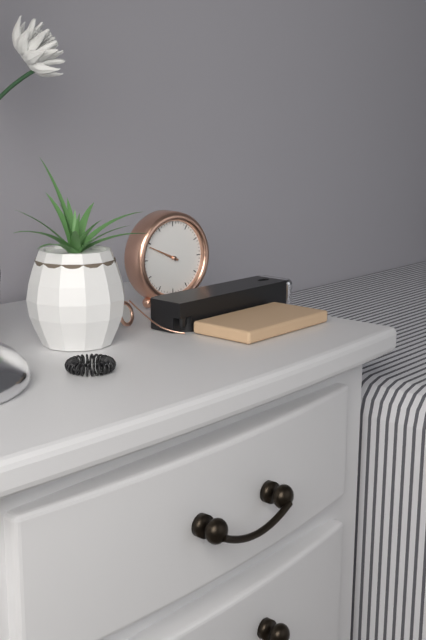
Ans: 9:49
